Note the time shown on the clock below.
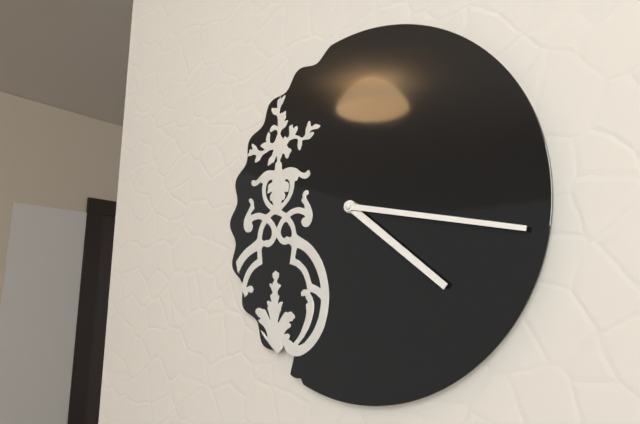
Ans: 4:17
